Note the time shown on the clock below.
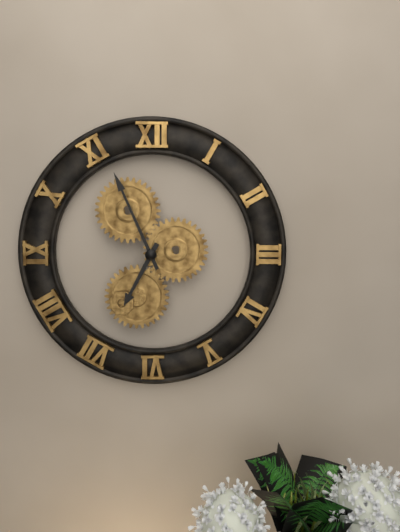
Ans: 6:56
